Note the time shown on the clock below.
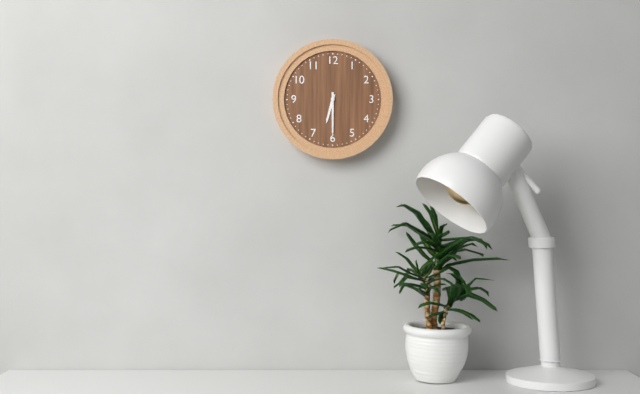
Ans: 6:30
